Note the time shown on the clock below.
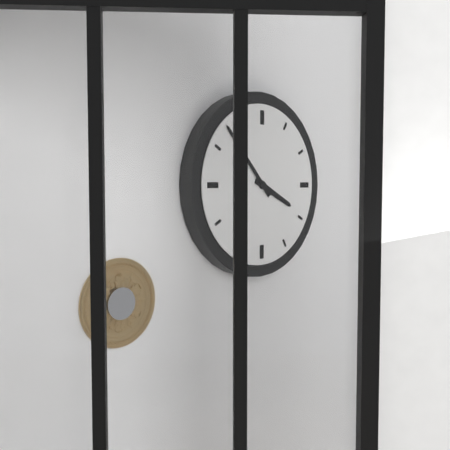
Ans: 3:53
